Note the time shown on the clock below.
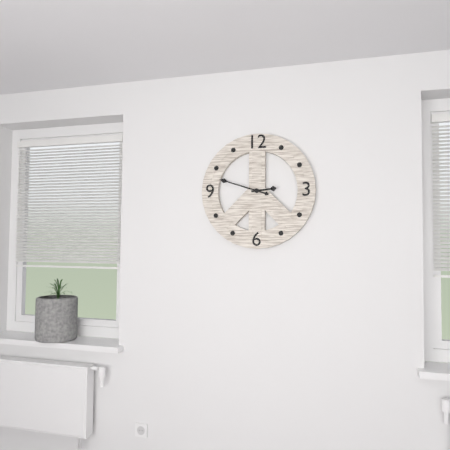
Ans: 2:48
